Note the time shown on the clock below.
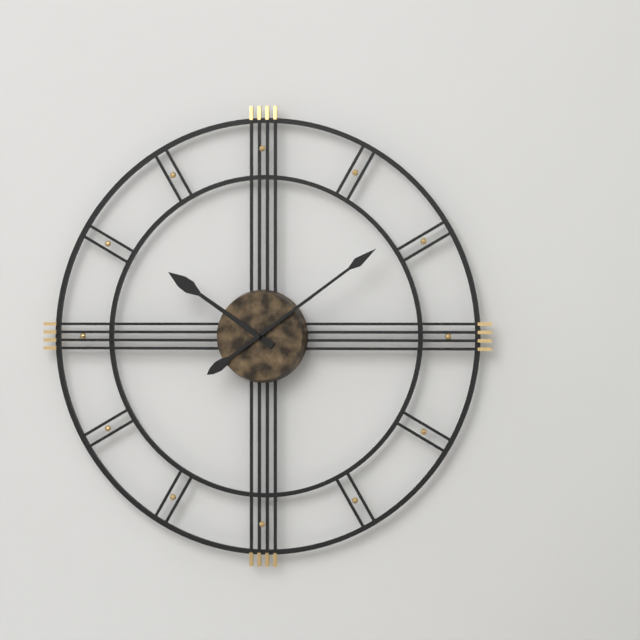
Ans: 10:09
